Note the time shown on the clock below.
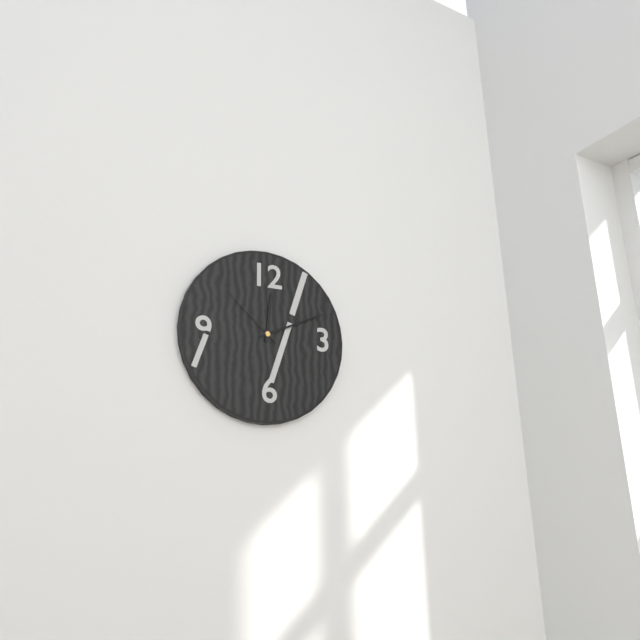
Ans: 12:11:52
